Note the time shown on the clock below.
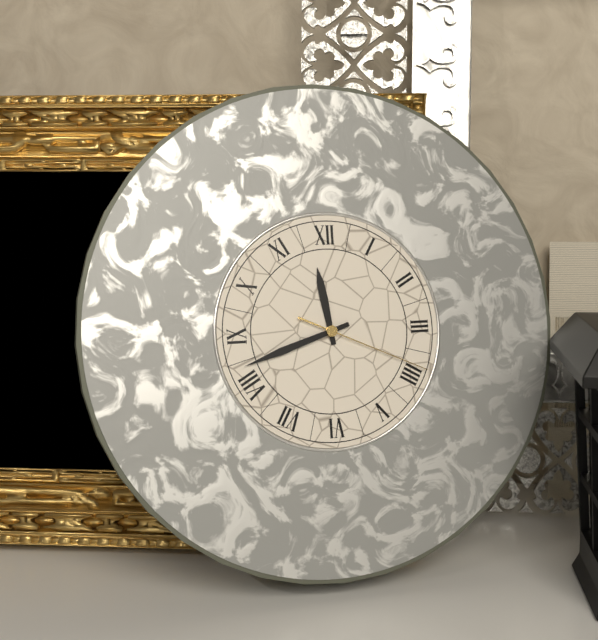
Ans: 11:42:19
